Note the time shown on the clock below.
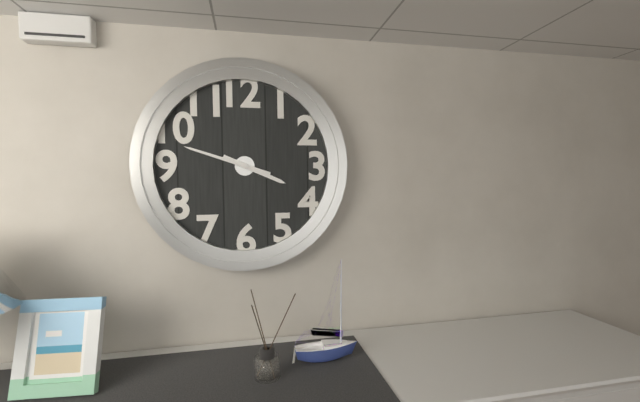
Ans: 3:48
